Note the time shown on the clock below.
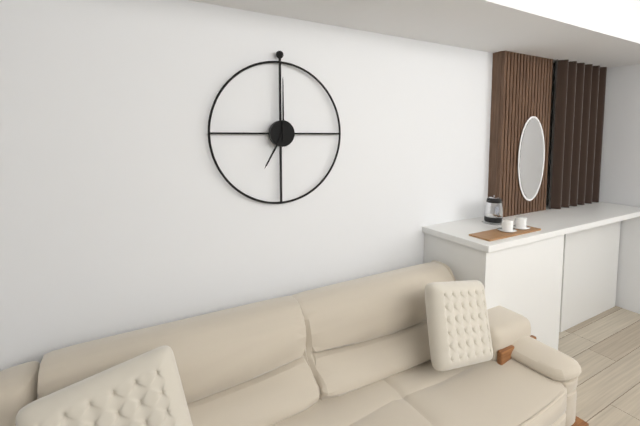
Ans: 7:00
